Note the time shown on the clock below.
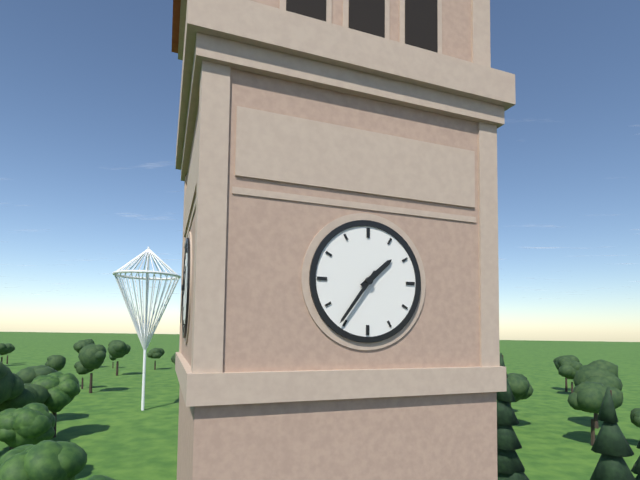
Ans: 1:36
